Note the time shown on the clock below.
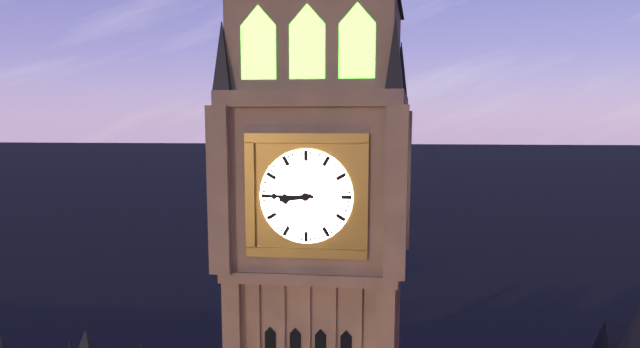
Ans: 8:45
